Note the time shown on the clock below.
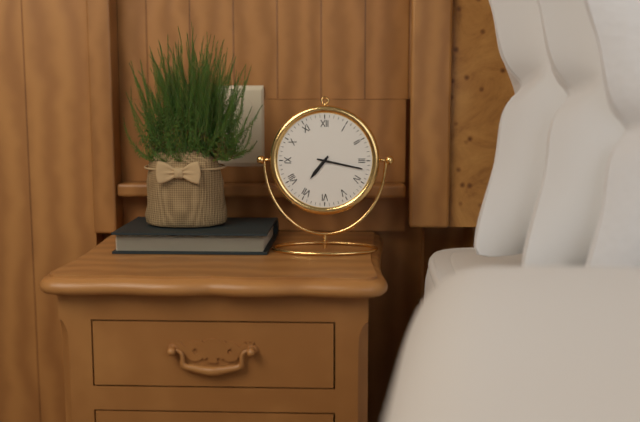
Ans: 7:17
